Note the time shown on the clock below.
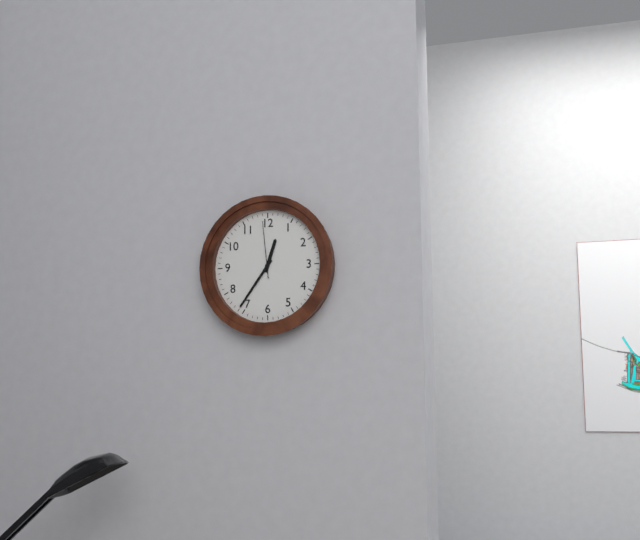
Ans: 12:36:59
